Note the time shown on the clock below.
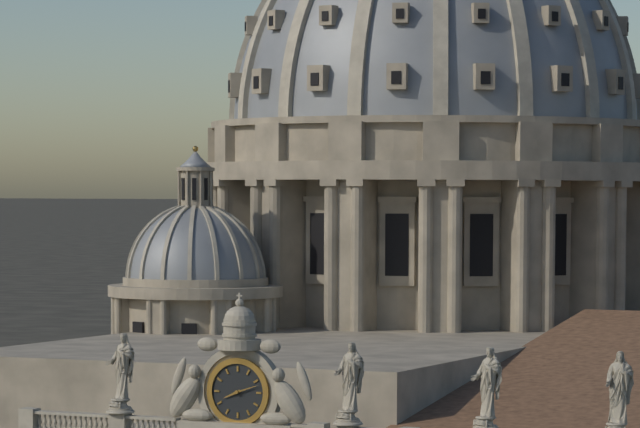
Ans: 8:12
